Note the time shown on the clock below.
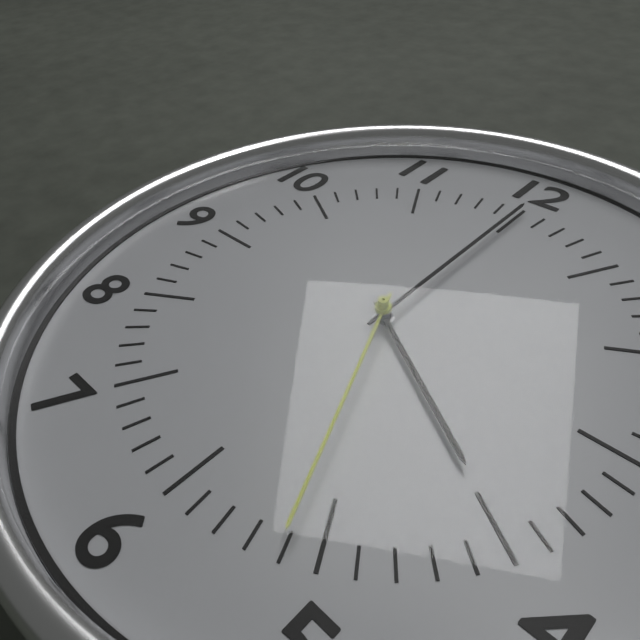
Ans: 4:00:26
